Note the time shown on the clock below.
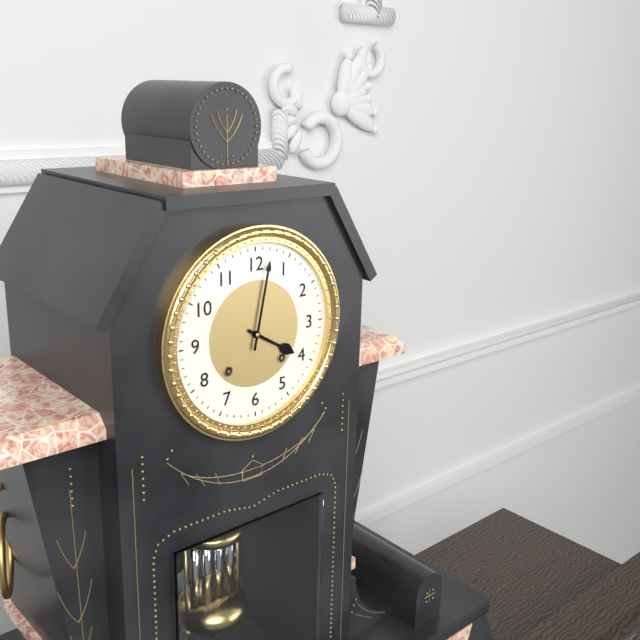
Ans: 4:02
